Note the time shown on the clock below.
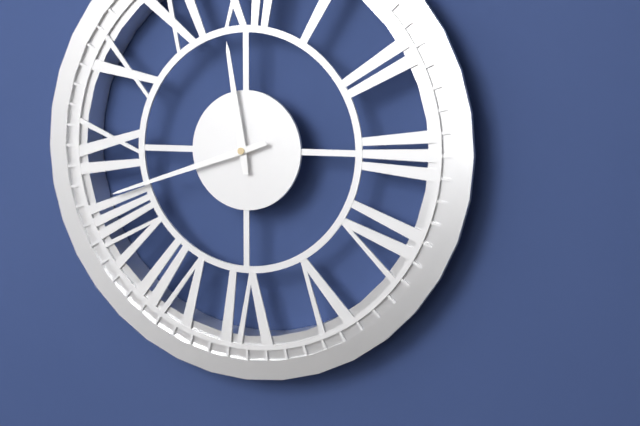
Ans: 11:42
